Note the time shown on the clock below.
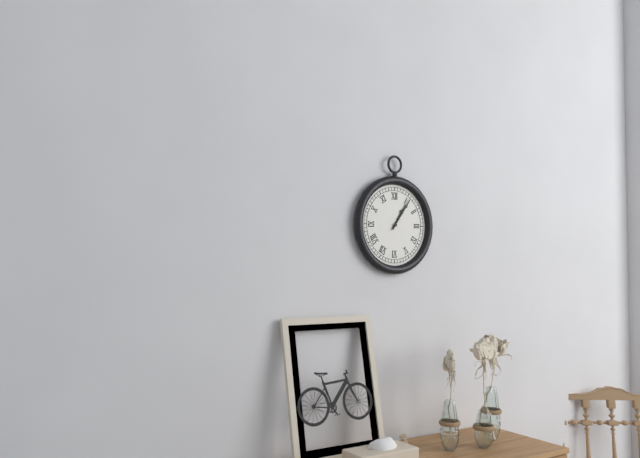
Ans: 1:06
